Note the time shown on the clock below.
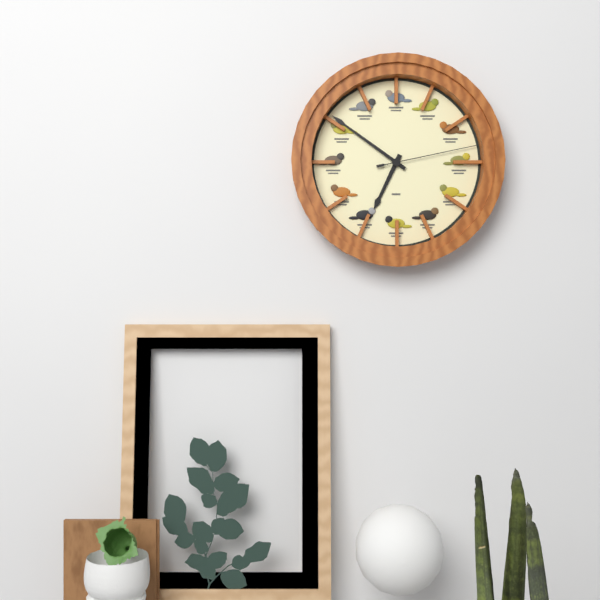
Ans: 6:51:13
